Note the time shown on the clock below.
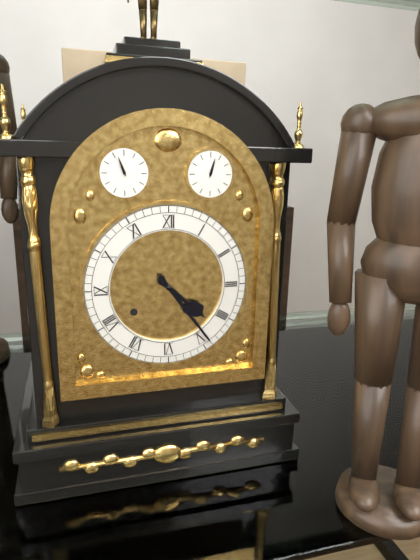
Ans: 4:24
